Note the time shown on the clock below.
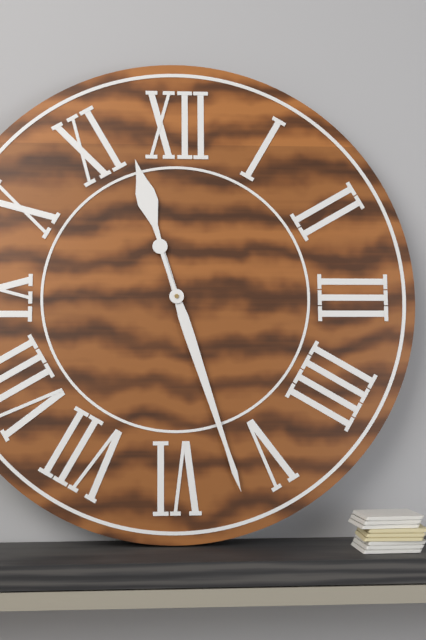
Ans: 11:27
